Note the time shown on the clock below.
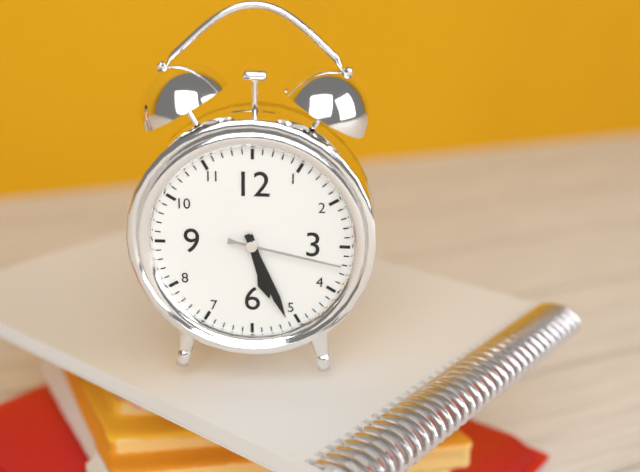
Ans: 5:26:17
